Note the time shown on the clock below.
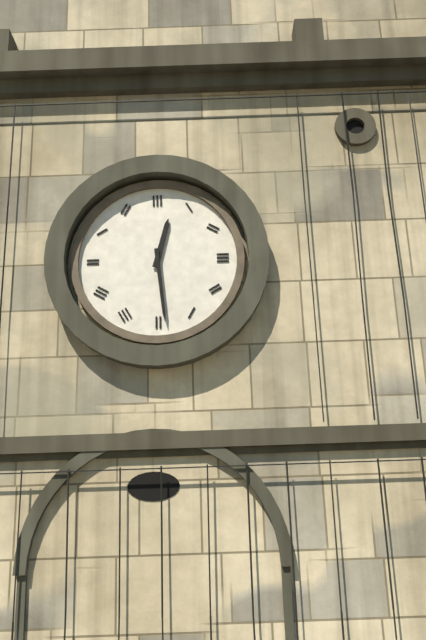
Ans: 12:29
